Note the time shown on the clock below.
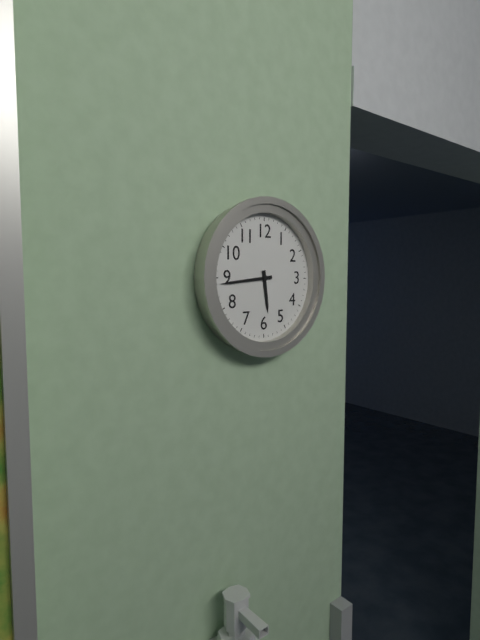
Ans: 5:44
